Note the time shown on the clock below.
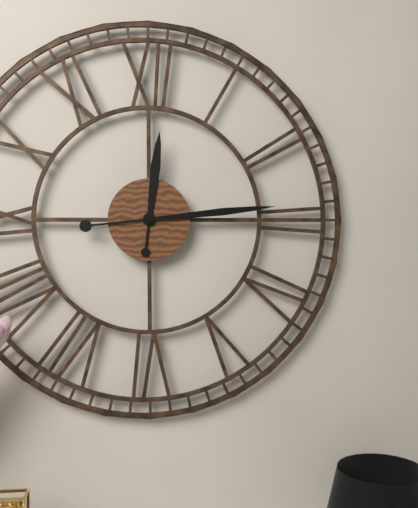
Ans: 12:14
